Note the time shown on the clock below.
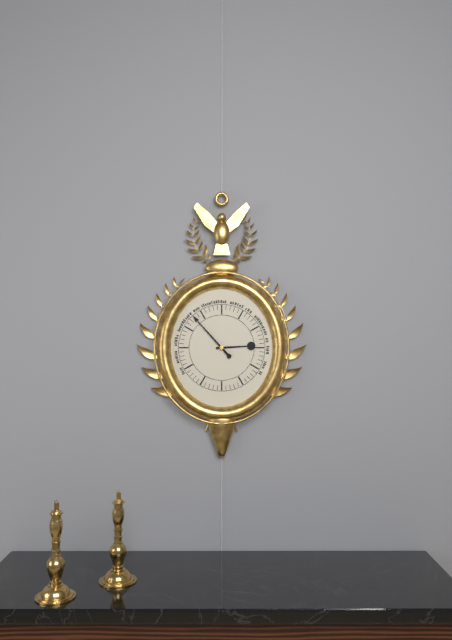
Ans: 2:53
